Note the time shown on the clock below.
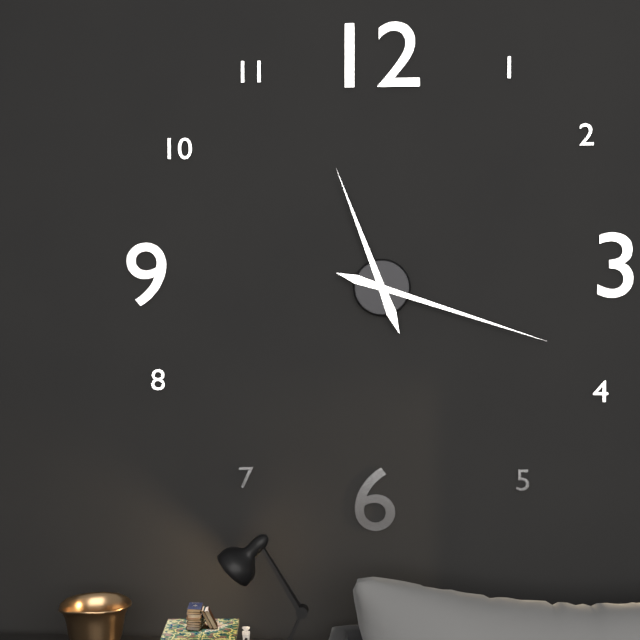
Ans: 11:18
